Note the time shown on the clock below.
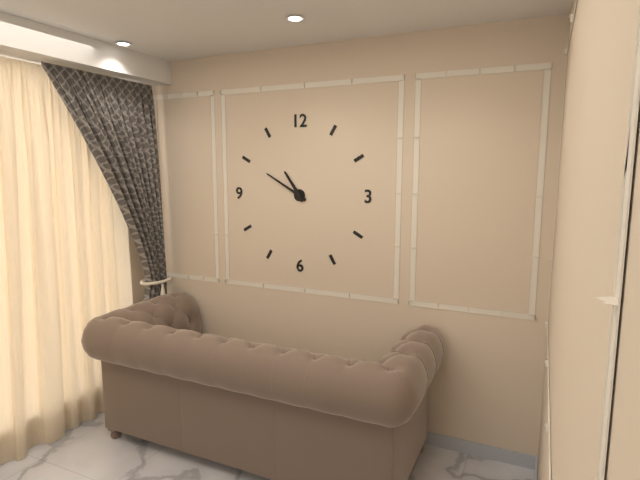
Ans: 10:50
